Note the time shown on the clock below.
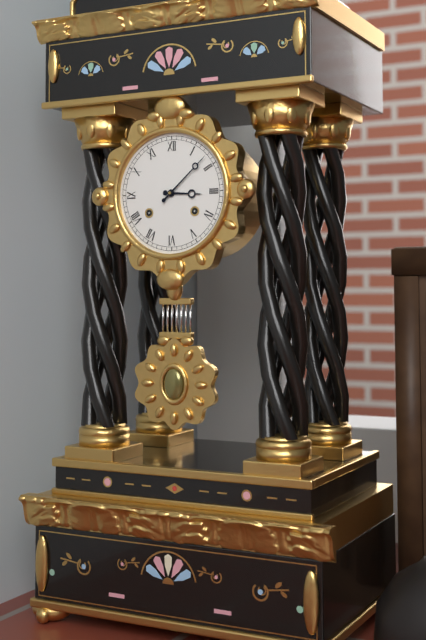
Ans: 3:08
